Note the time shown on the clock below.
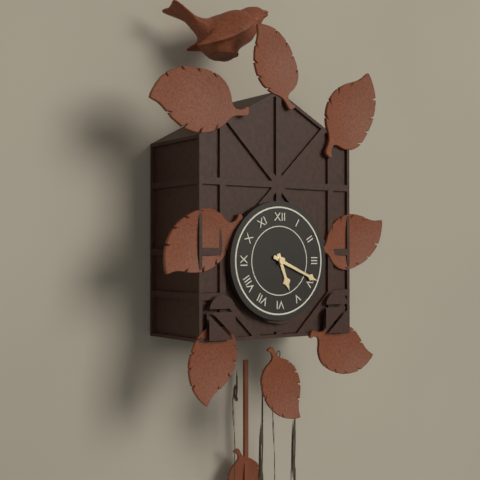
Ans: 5:19
